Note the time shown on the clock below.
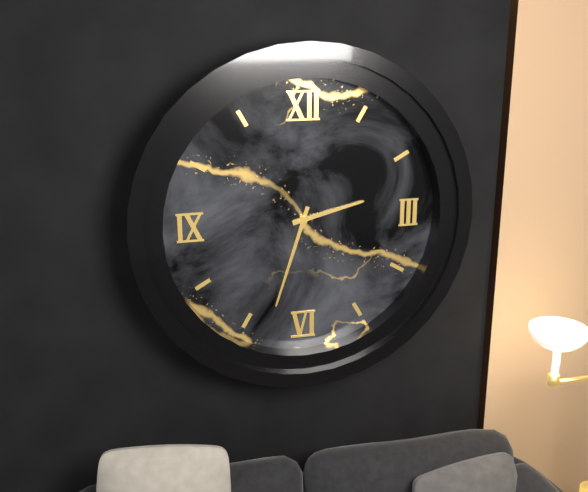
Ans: 2:33
